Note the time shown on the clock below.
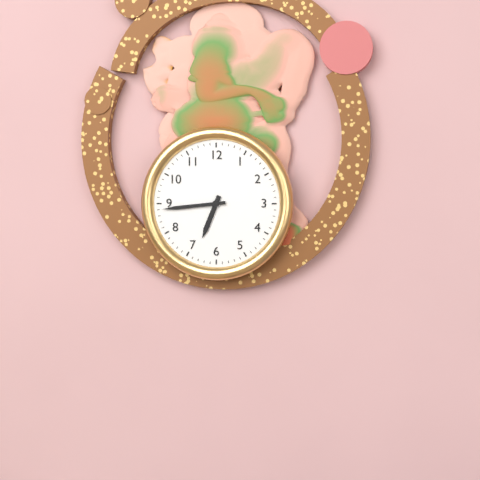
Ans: 6:44
